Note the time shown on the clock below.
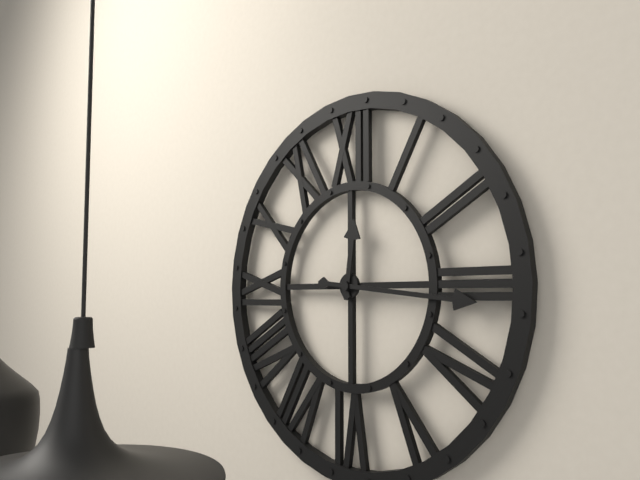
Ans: 12:16
